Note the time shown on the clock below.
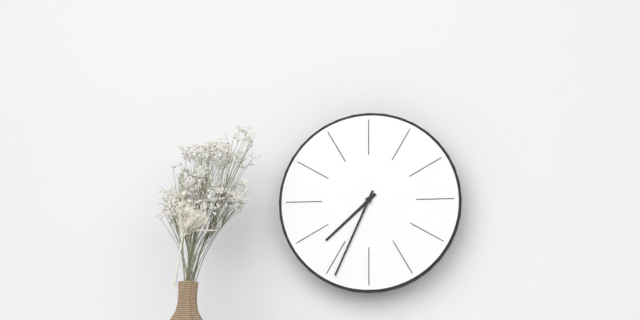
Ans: 7:34
